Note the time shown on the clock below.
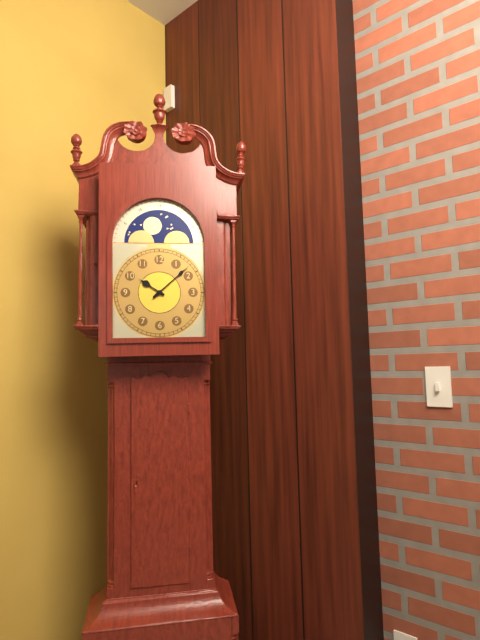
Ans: 10:08
